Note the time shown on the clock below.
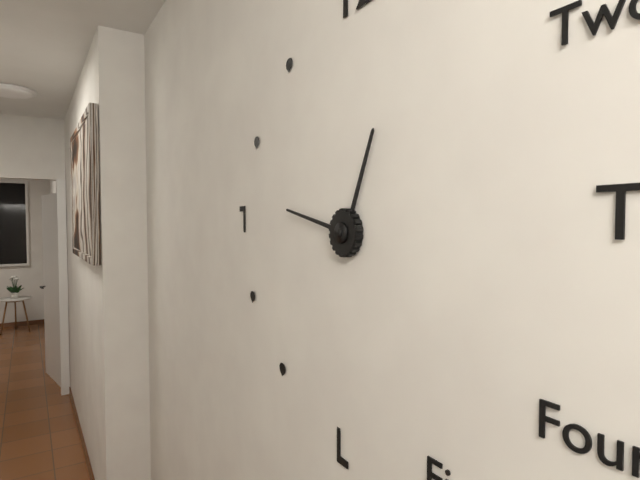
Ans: 12:47
